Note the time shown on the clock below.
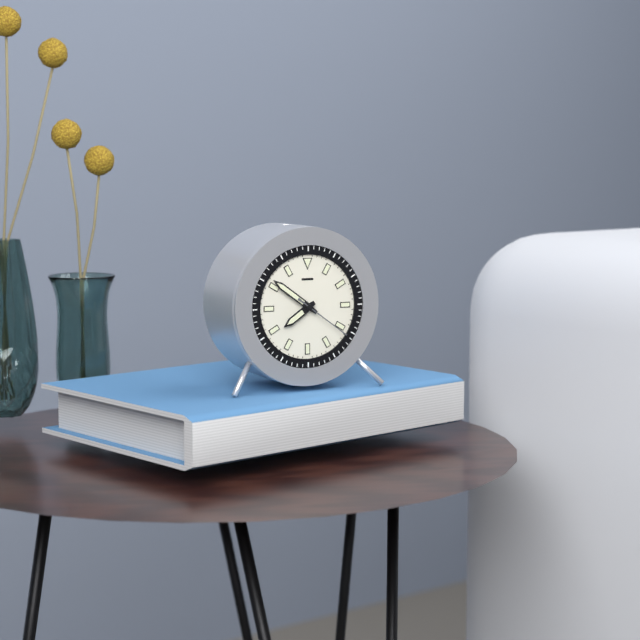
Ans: 7:51:21
